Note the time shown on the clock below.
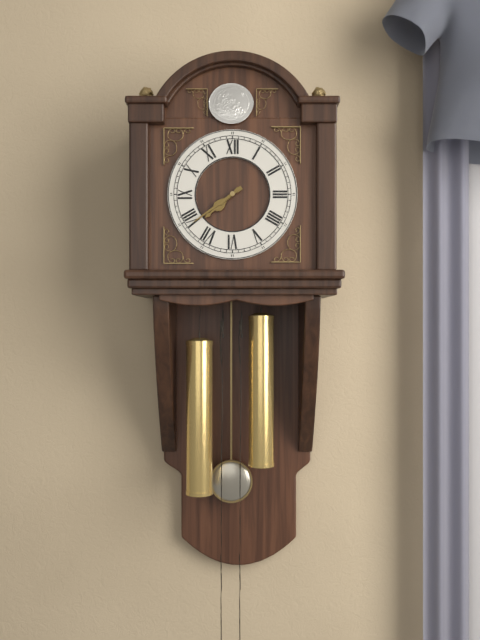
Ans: 7:39
